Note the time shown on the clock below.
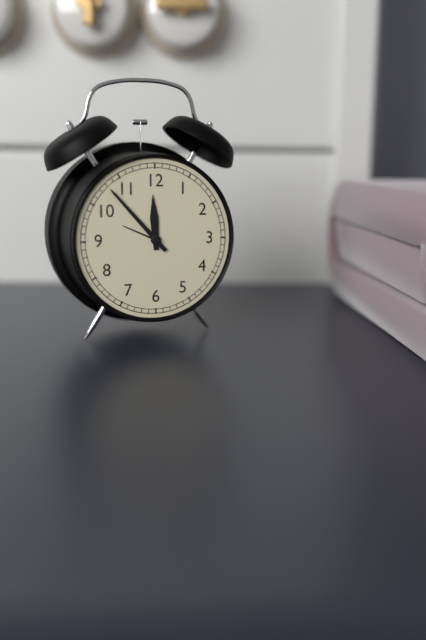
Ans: 11:53
